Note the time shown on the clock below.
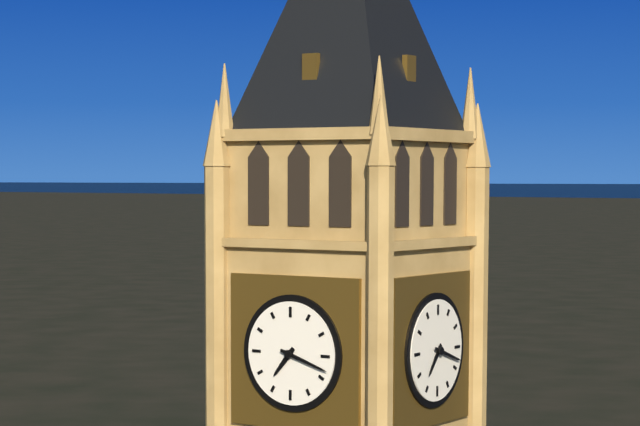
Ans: 7:18
